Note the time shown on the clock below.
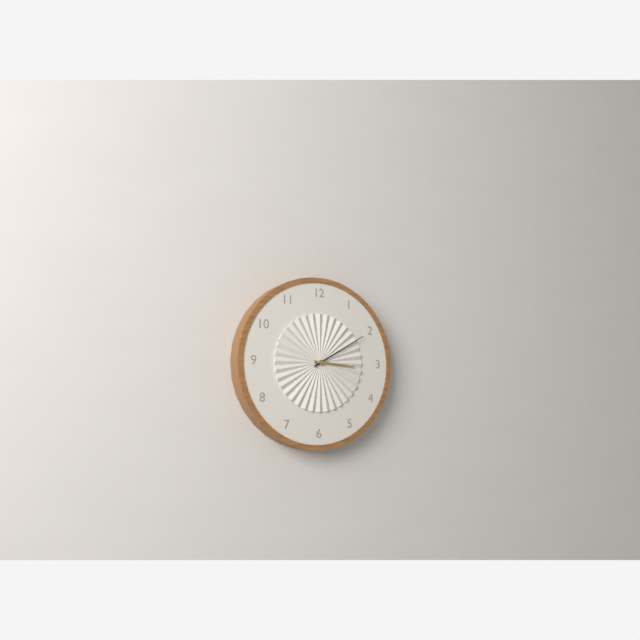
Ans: 3:10
